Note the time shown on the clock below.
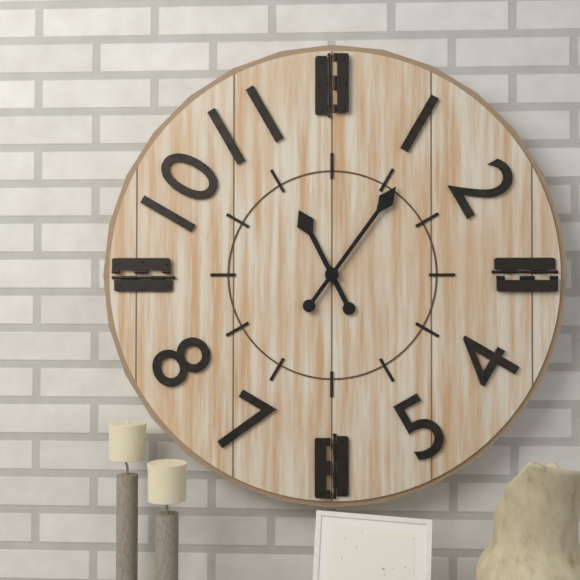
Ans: 11:06
